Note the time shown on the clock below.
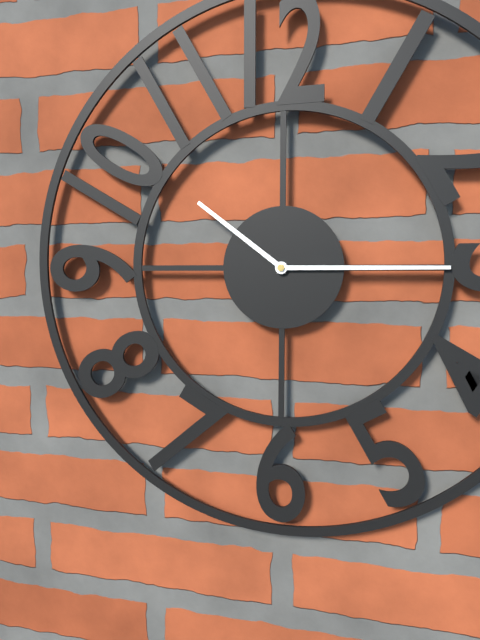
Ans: 10:15
